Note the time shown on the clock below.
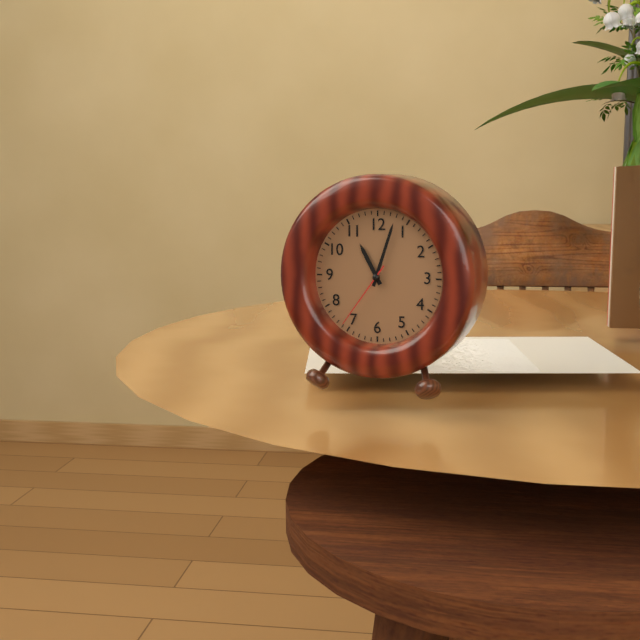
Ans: 11:03:36
